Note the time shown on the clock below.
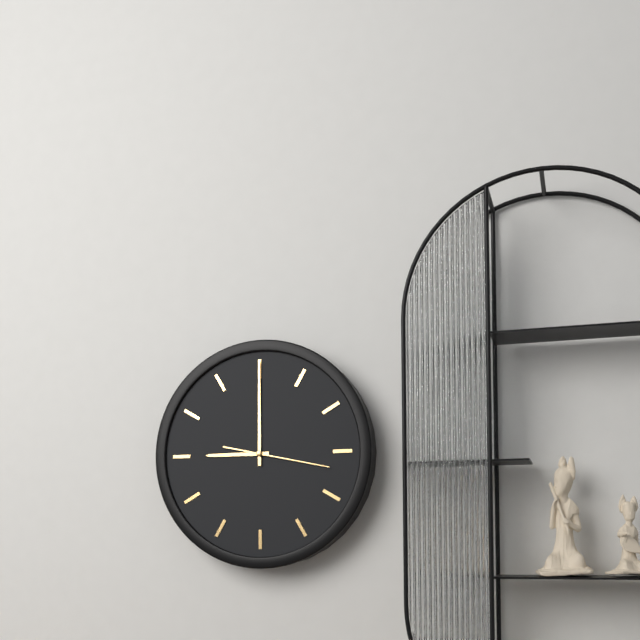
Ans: 9:00:17
